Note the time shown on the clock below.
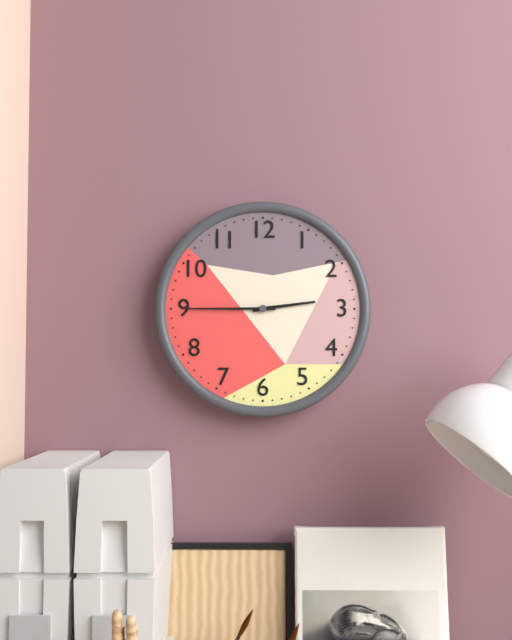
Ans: 2:45
